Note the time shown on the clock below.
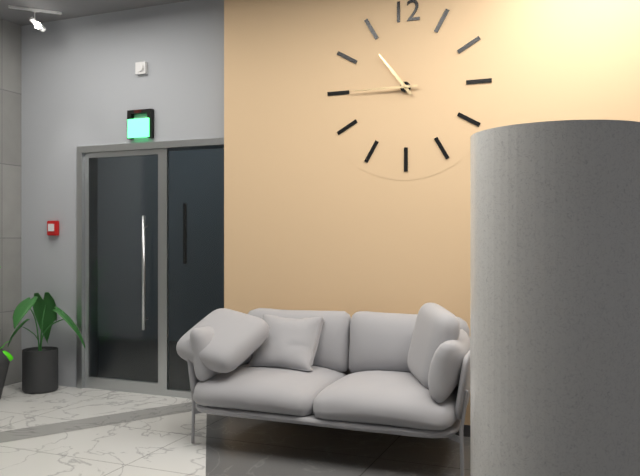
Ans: 10:45
